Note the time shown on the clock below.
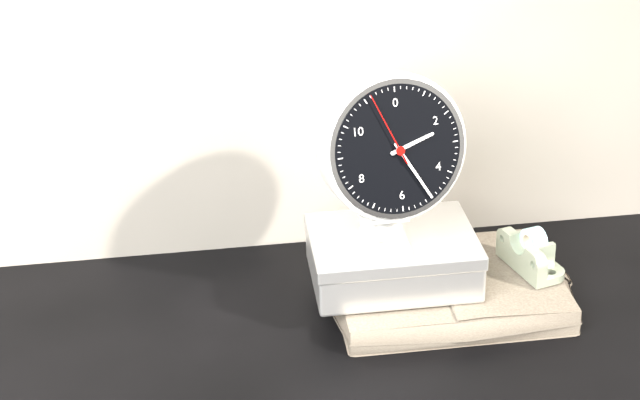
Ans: 2:25:56
